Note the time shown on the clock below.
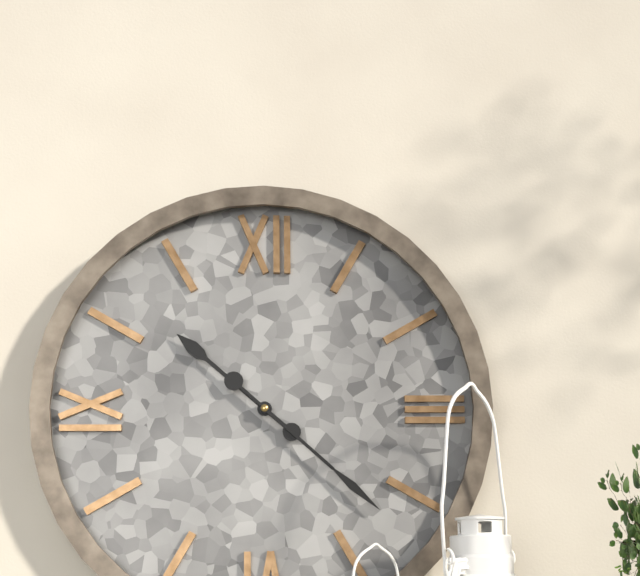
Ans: 10:22
